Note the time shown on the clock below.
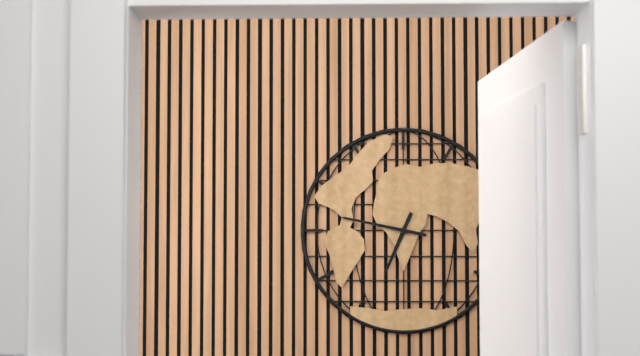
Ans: 6:47
